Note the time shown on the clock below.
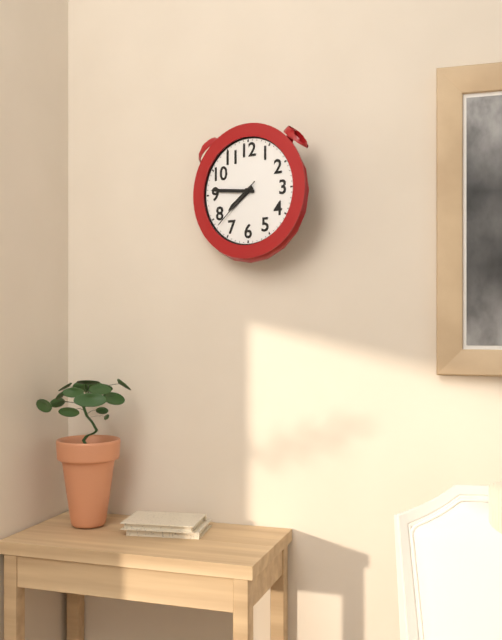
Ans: 7:46:38
